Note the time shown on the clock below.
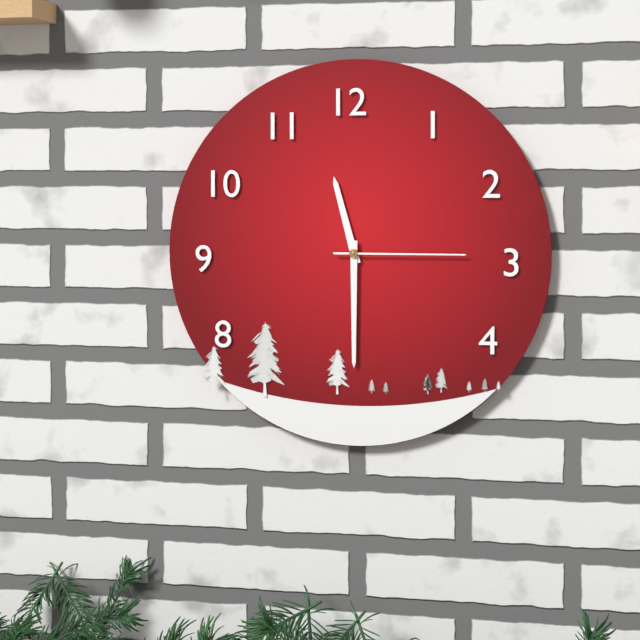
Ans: 11:30:15
